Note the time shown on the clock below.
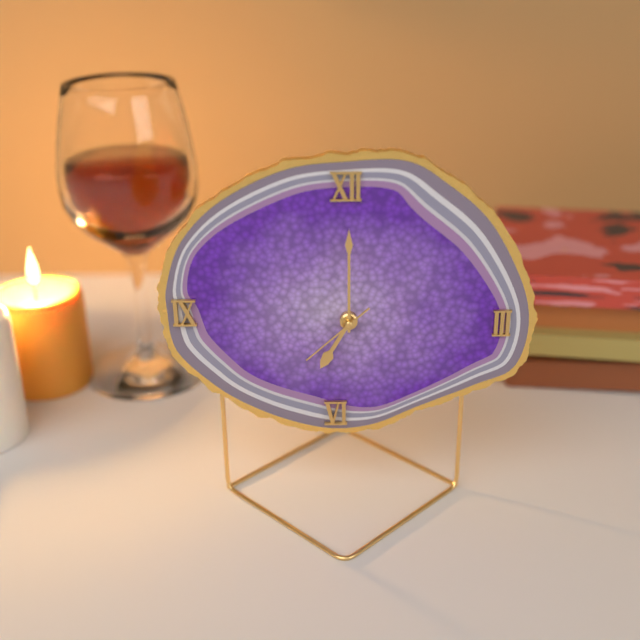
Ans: 7:00:38
